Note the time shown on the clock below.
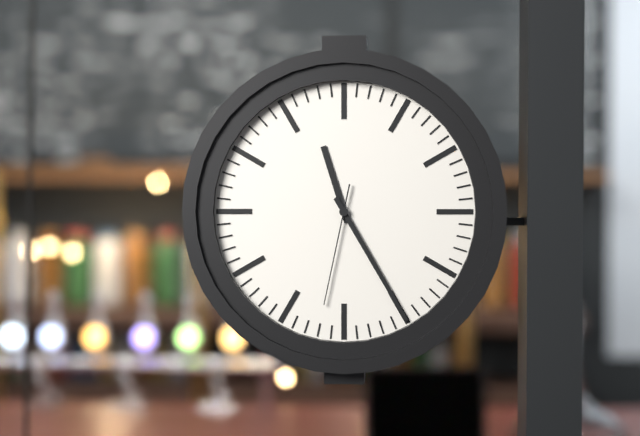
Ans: 11:25:32
